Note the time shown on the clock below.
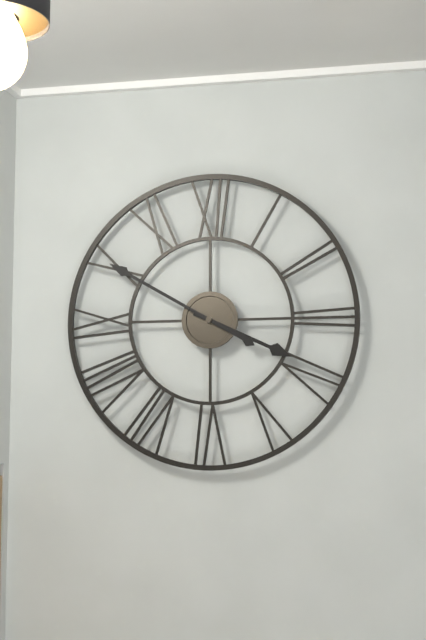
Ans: 3:50
